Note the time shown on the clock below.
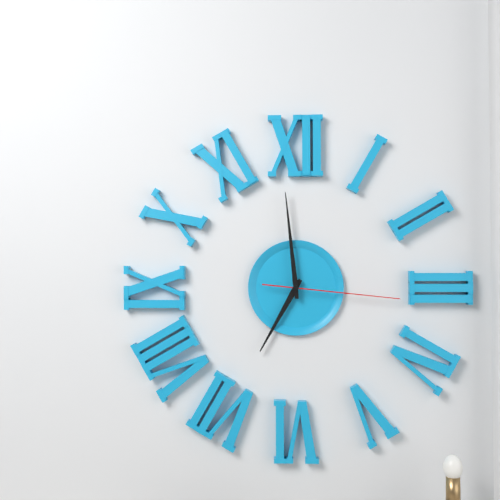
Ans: 6:59:16
